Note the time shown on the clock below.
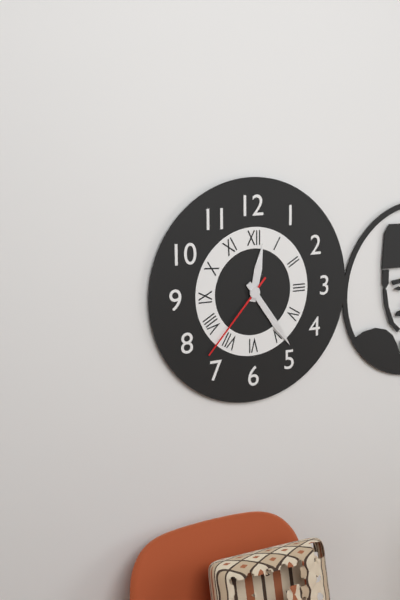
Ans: 12:24:37
